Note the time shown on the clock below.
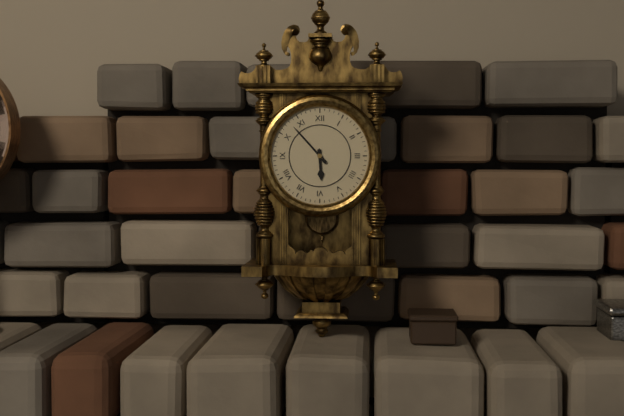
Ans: 5:53
